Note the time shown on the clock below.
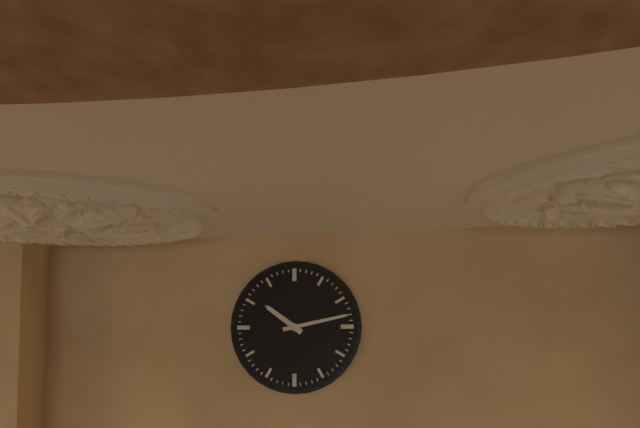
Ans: 10:13
